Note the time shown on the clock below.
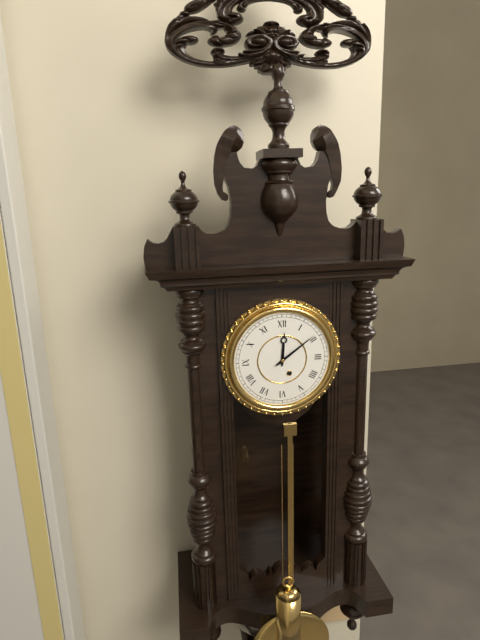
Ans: 12:09
